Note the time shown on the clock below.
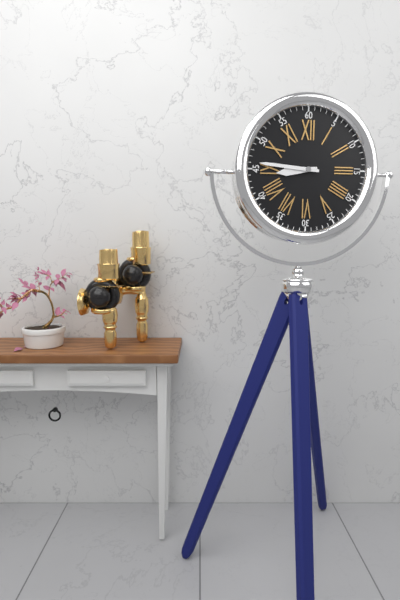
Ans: 8:46
